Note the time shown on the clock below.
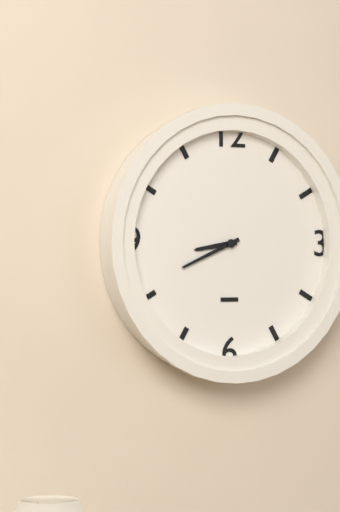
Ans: 8:41
